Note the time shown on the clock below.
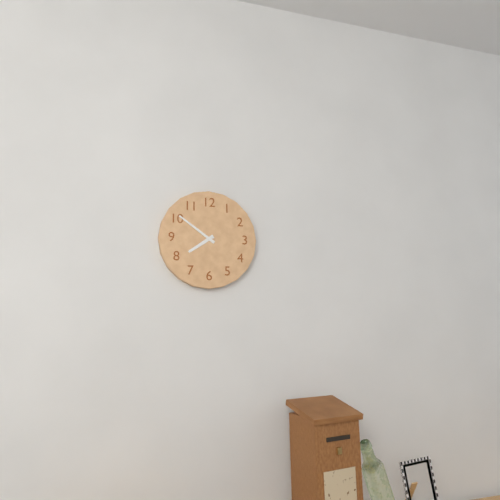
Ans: 7:51
